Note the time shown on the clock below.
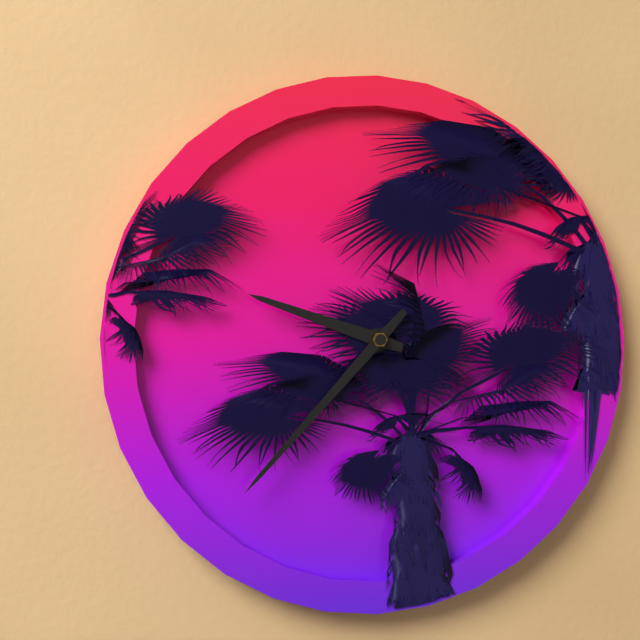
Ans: 9:37
